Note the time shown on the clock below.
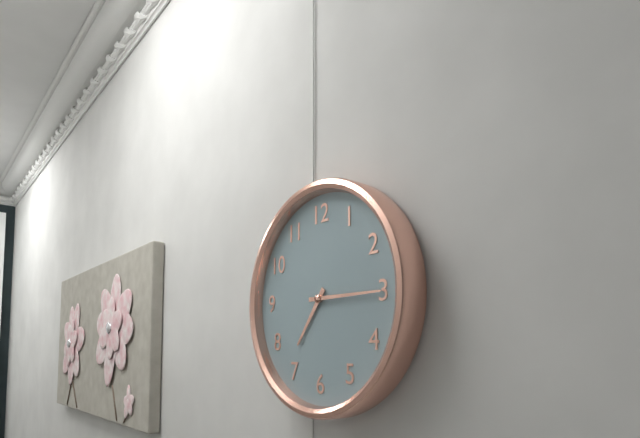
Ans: 7:15
